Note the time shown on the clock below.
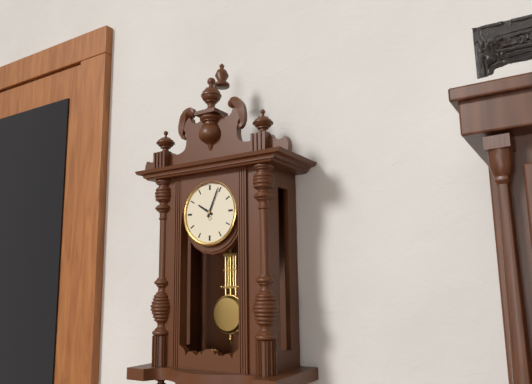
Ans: 10:04
